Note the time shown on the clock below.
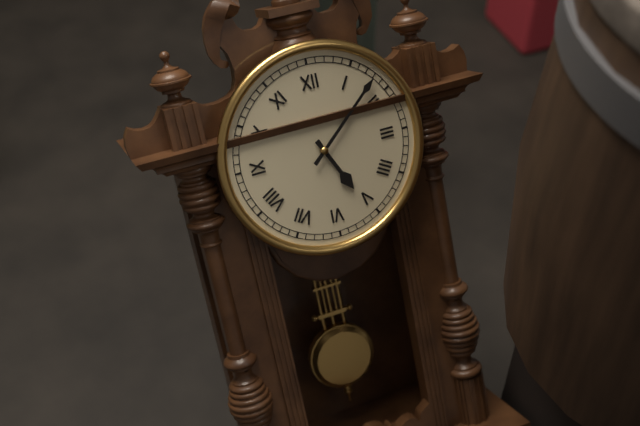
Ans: 5:08
